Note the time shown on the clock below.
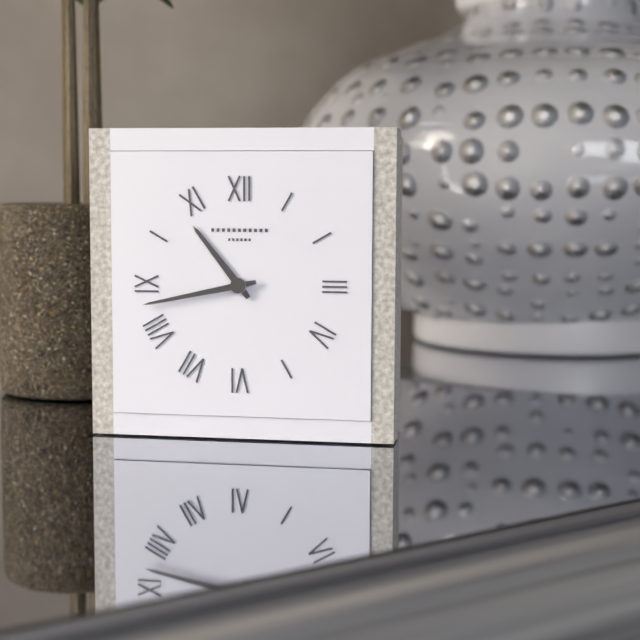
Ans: 10:43
